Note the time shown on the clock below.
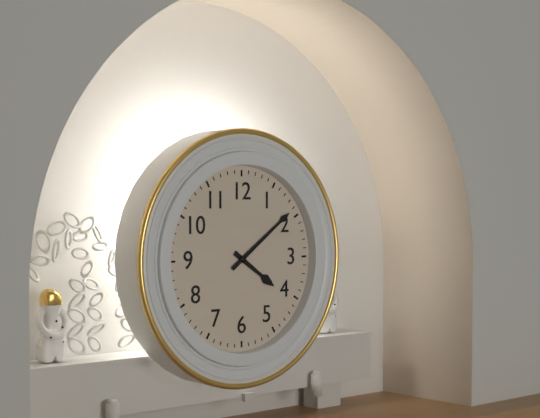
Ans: 4:09
